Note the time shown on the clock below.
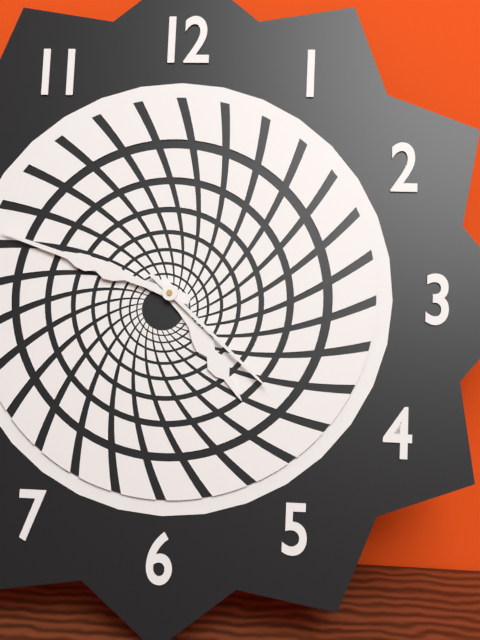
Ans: 4:48:22
